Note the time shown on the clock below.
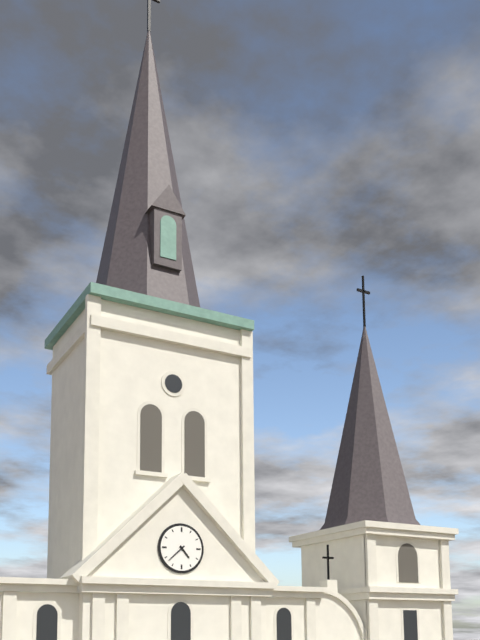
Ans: 4:38
